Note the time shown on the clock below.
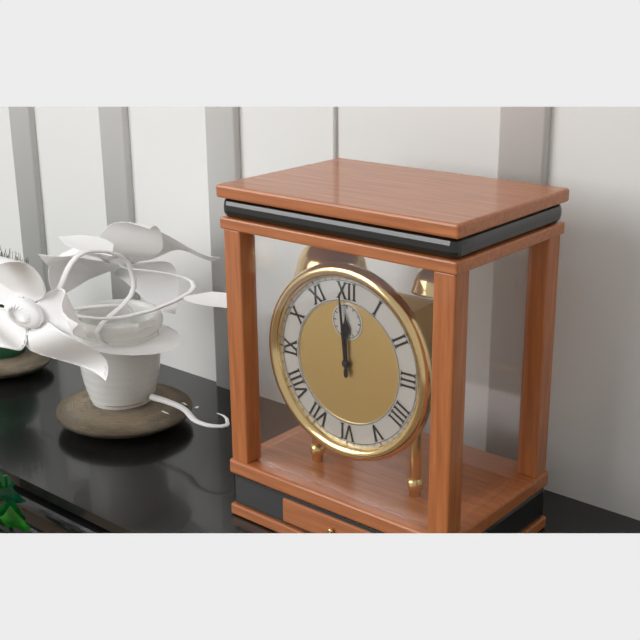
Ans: 11:59
